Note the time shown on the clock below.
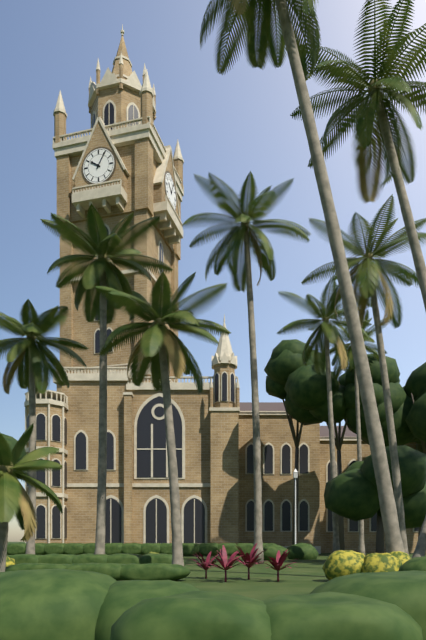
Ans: 10:05
